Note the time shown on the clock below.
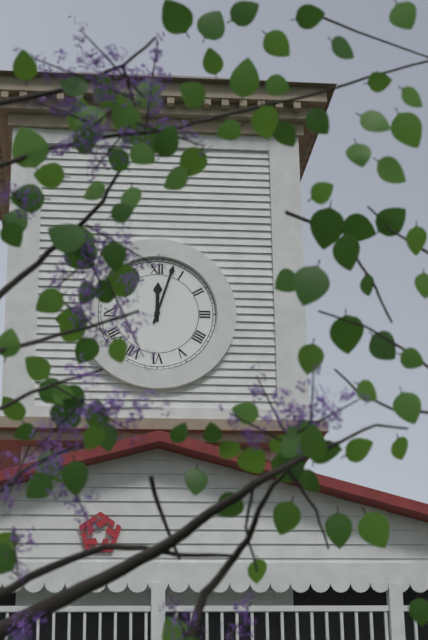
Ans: 12:03
